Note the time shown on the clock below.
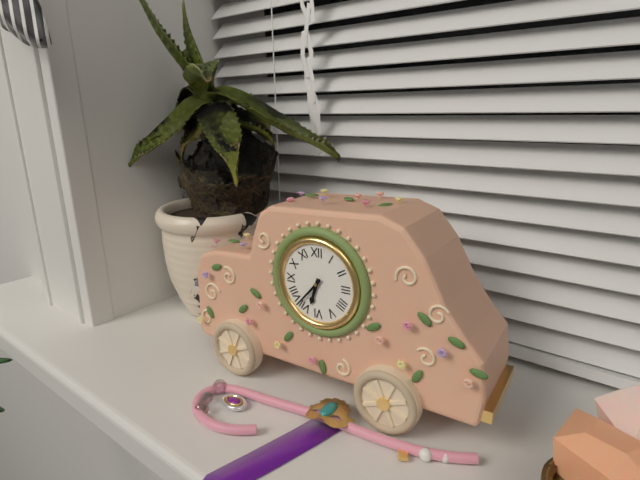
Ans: 6:37
